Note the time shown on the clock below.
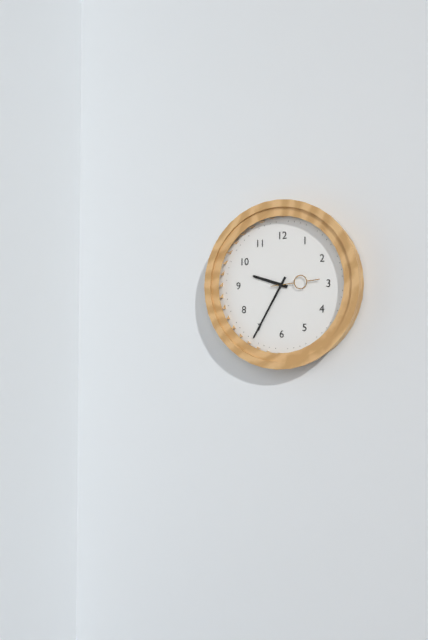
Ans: 9:35:14
